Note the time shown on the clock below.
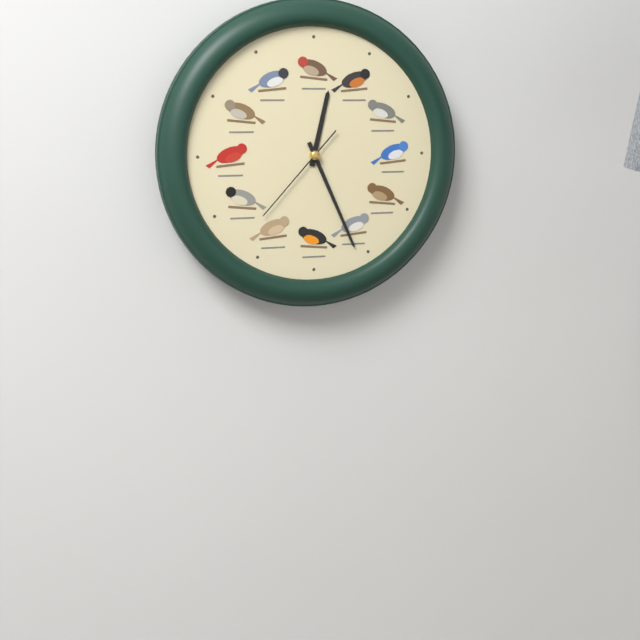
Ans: 12:26:37
